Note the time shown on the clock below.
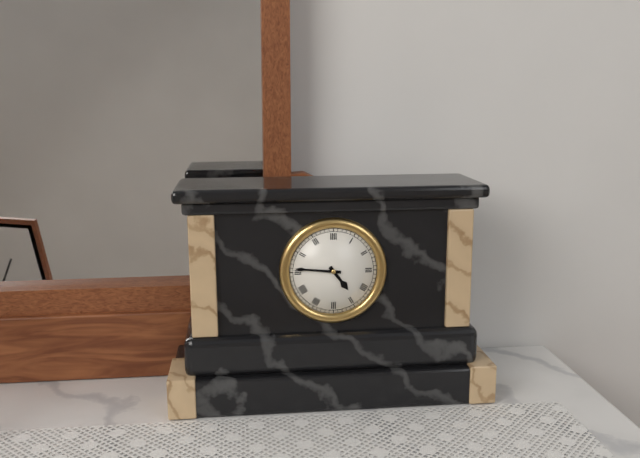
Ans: 4:46
